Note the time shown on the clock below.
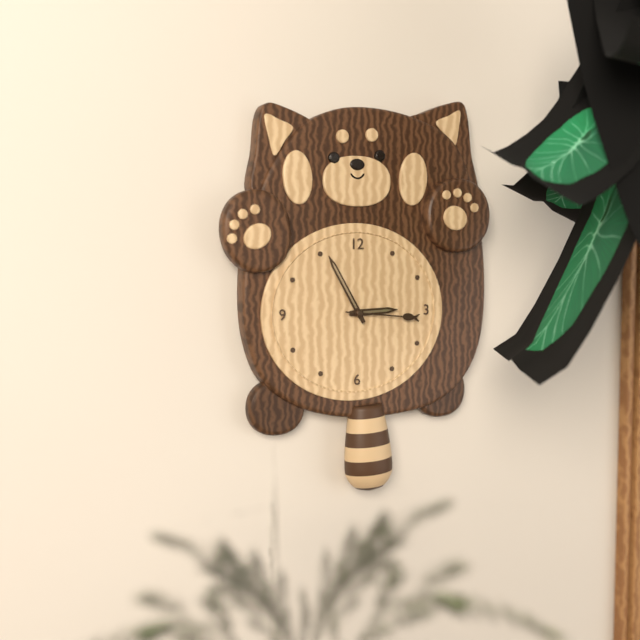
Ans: 2:55:16
